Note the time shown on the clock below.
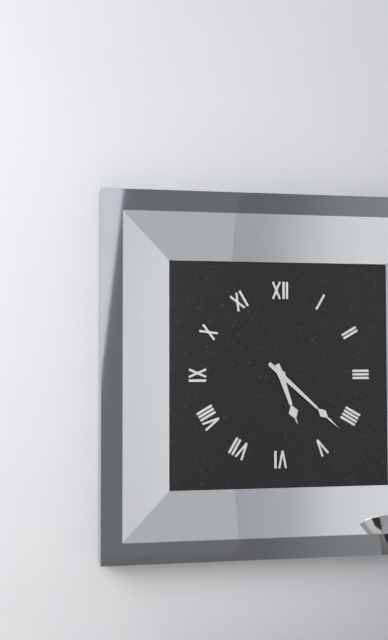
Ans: 5:22
